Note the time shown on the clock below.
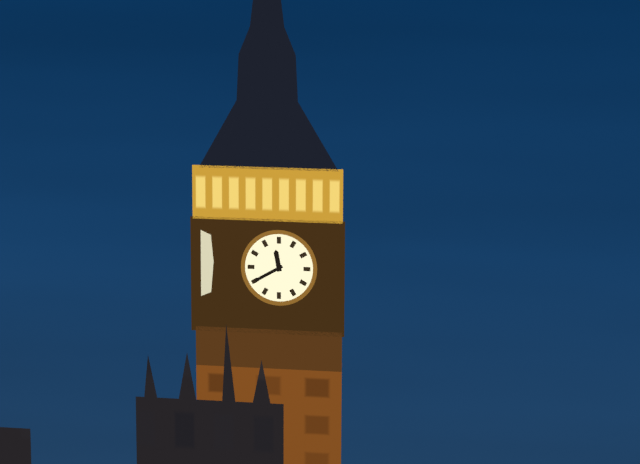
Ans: 11:40
